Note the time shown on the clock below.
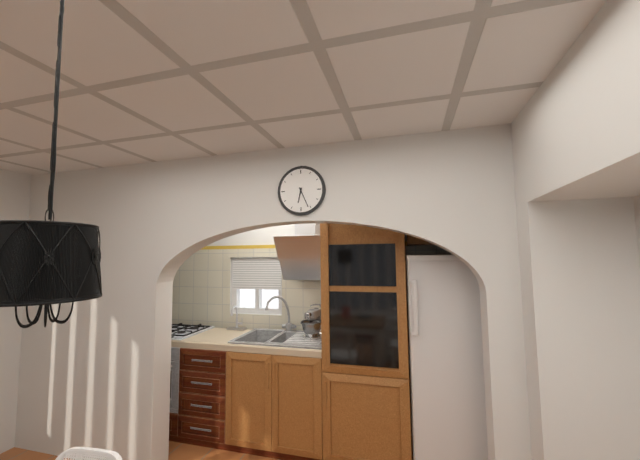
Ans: 6:26
